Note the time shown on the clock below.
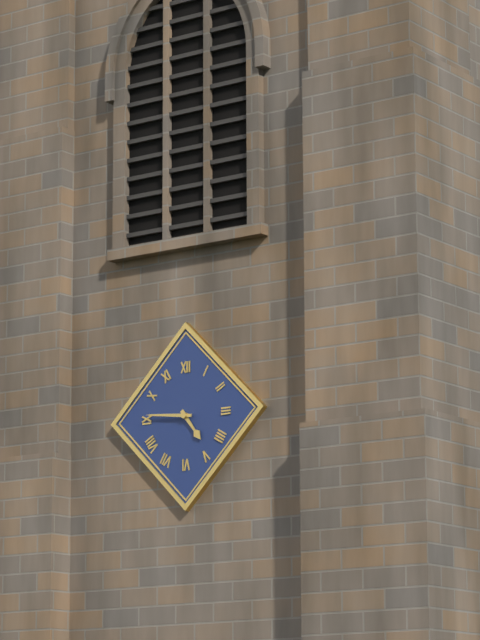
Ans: 4:46
